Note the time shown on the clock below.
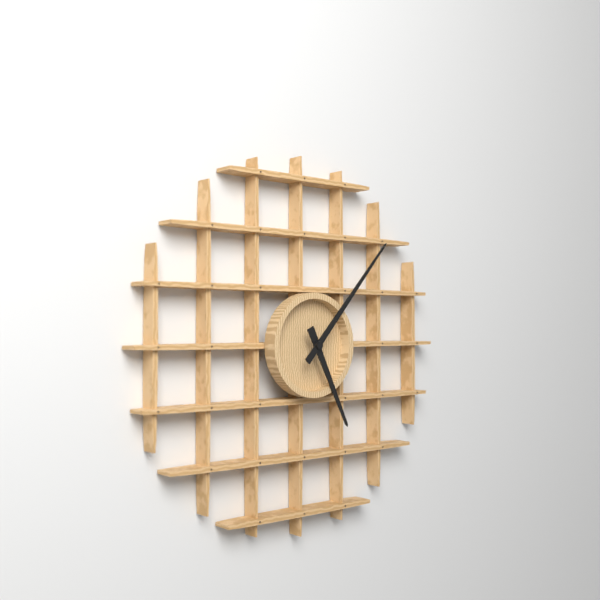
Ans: 5:07
